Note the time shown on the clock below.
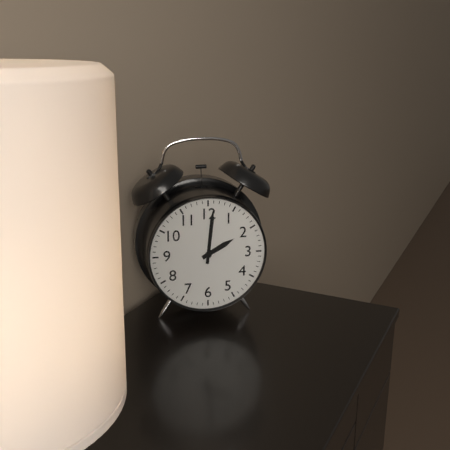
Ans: 2:01
